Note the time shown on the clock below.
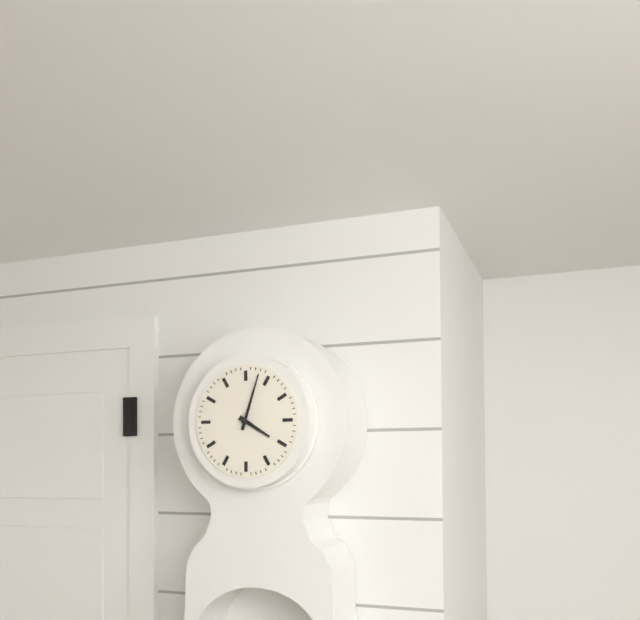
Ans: 4:03
